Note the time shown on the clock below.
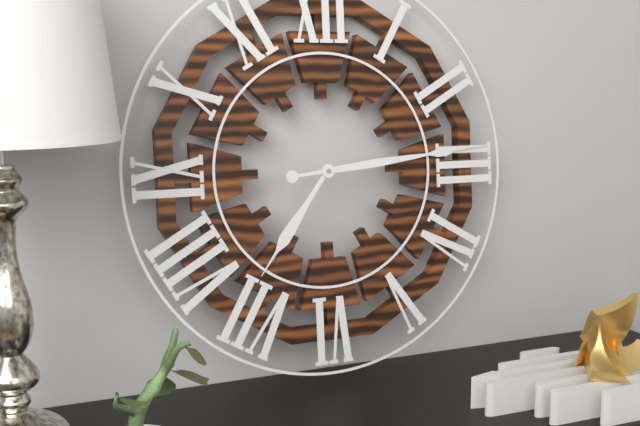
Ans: 7:14
